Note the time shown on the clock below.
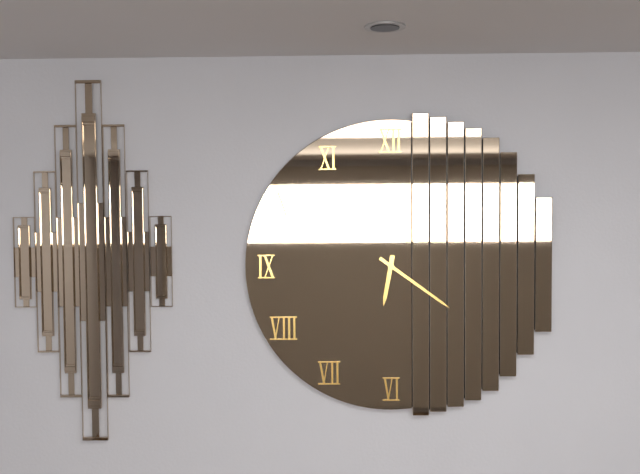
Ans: 6:21
